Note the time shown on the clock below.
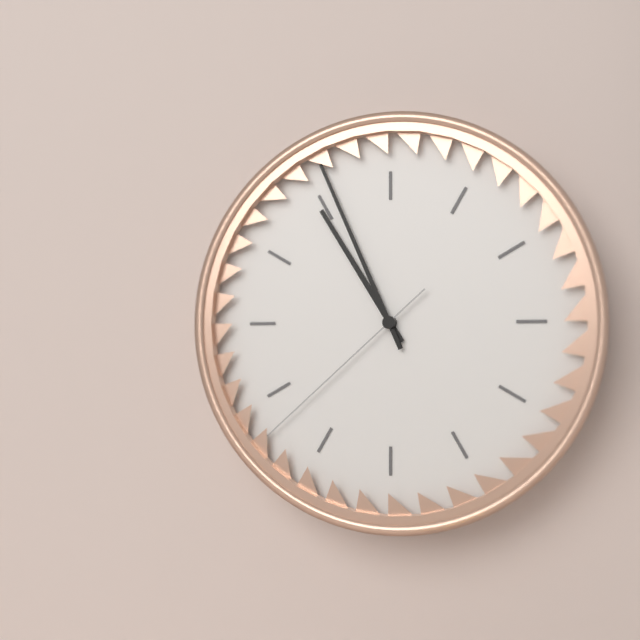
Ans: 10:56:38
